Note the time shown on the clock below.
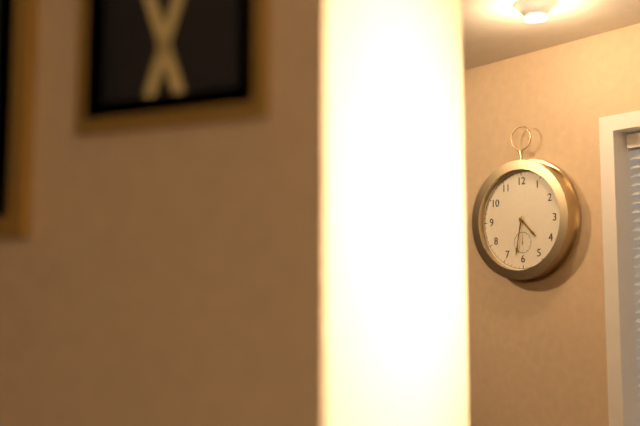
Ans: 4:32
